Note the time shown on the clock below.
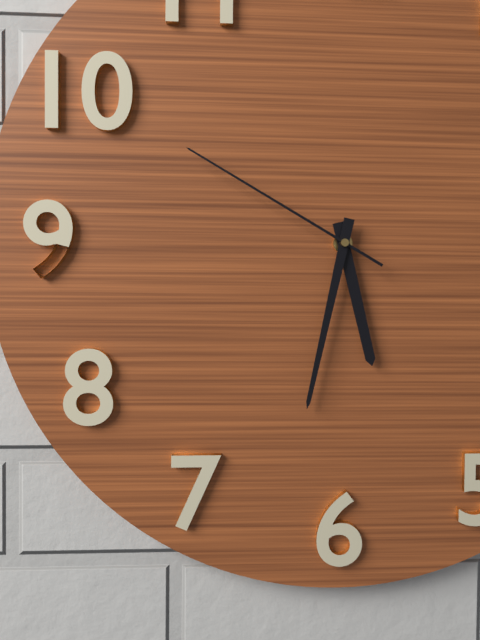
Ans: 5:32:50
